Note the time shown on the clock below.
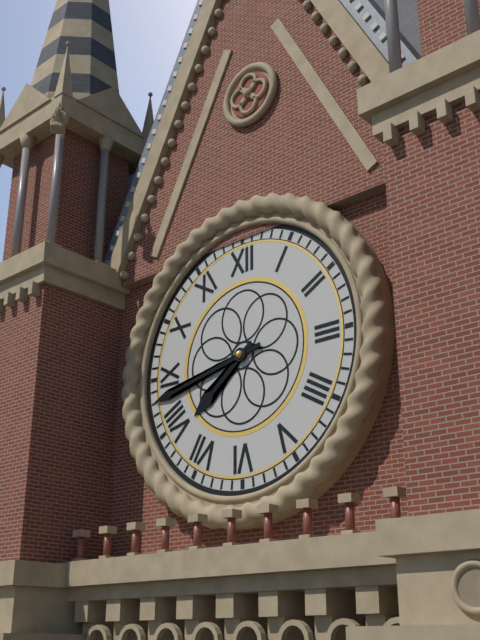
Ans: 7:43
